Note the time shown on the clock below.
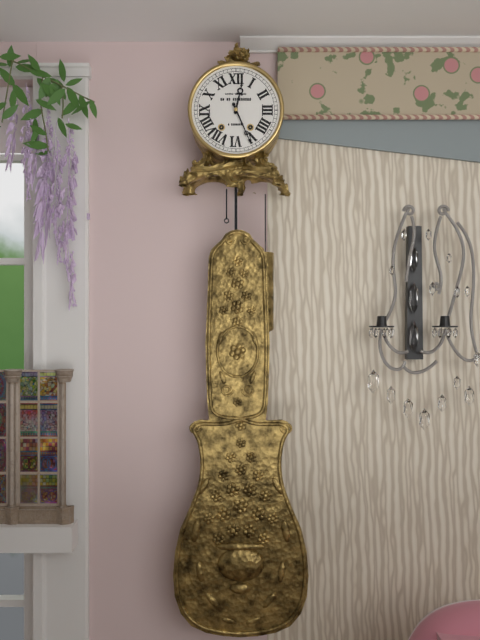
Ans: 12:26
